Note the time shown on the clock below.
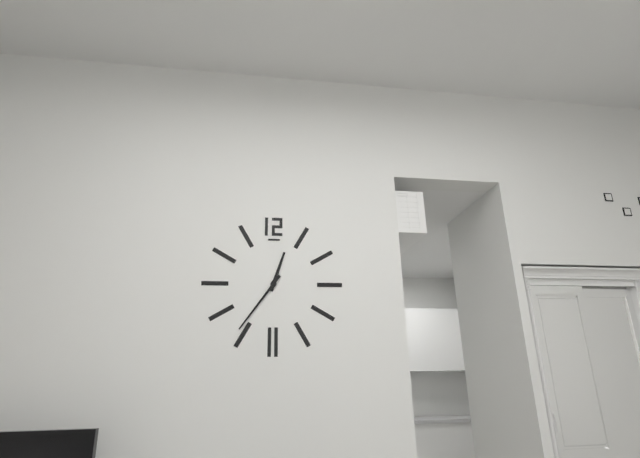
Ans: 12:36
